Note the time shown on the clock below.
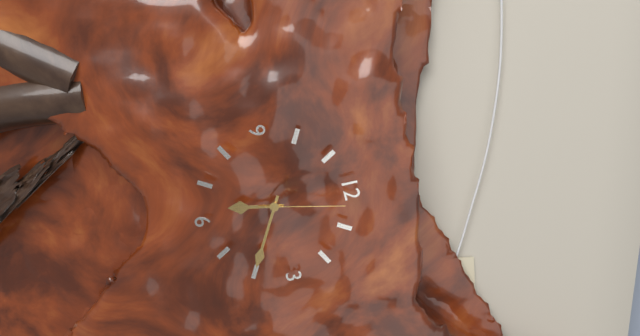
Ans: 6:20:02
